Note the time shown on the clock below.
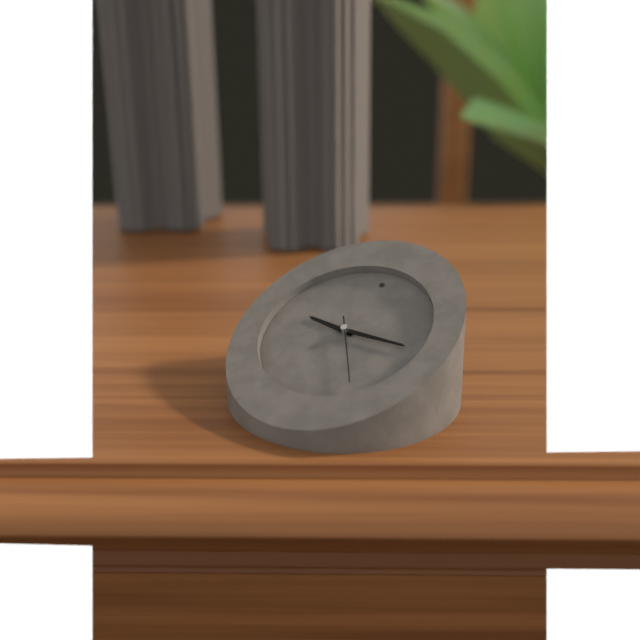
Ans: 9:15:24
